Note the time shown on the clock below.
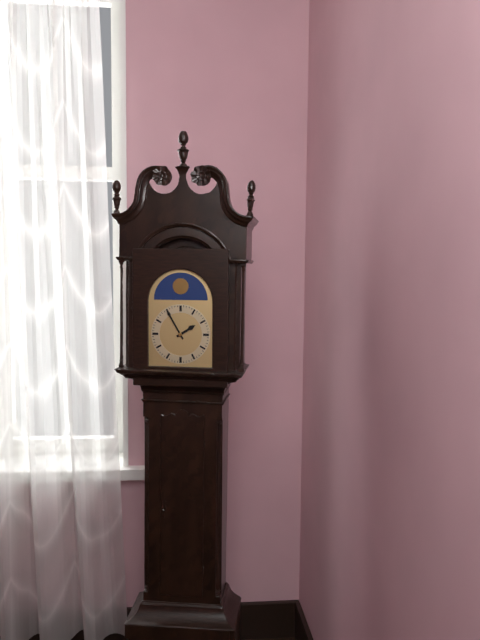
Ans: 1:55
